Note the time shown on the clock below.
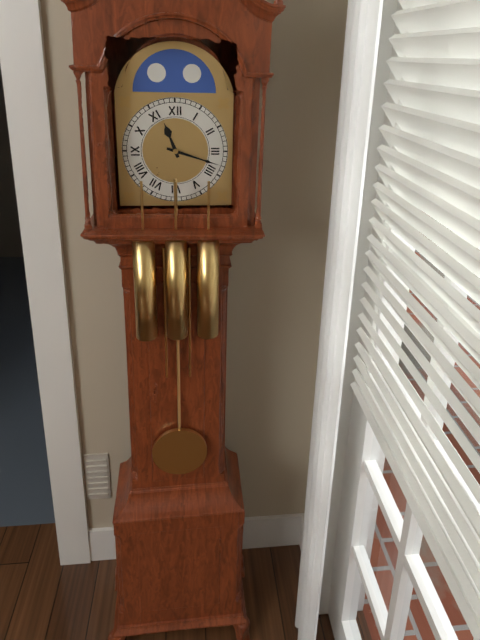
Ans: 11:18
